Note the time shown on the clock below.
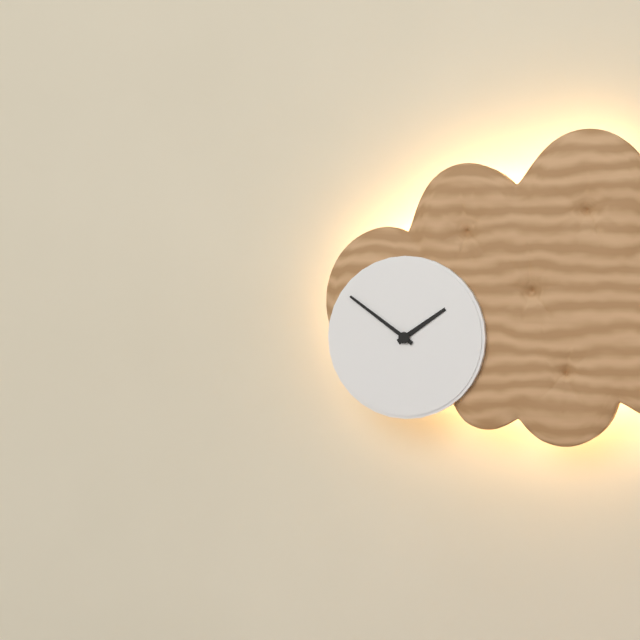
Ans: 1:51
